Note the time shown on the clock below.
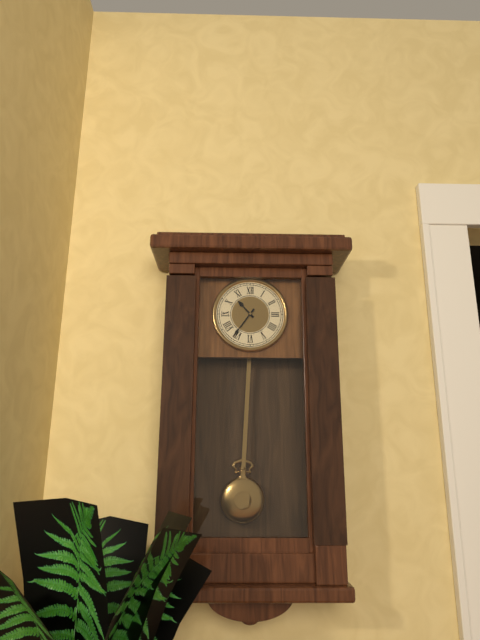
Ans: 10:36
